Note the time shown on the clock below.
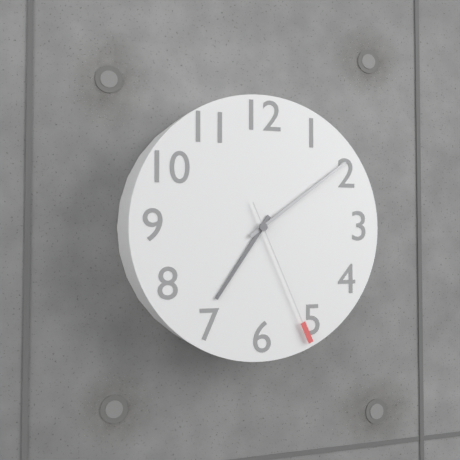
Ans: 7:09:26
